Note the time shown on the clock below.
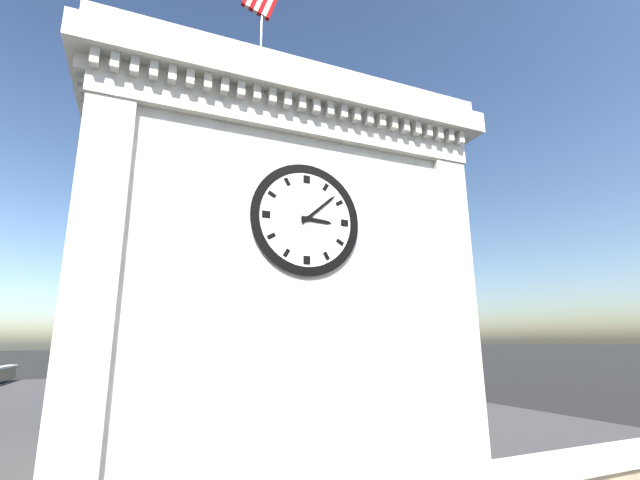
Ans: 3:08
